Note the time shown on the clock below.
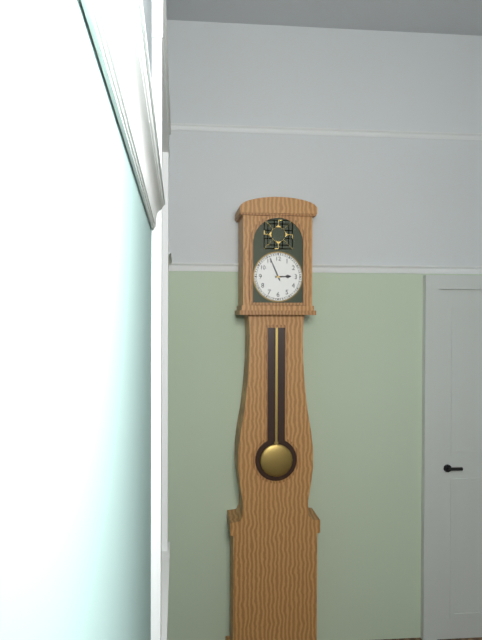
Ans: 2:56
